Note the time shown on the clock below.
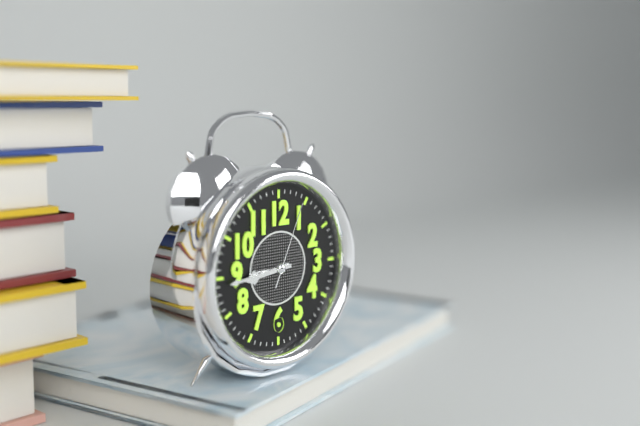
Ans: 8:44:04
